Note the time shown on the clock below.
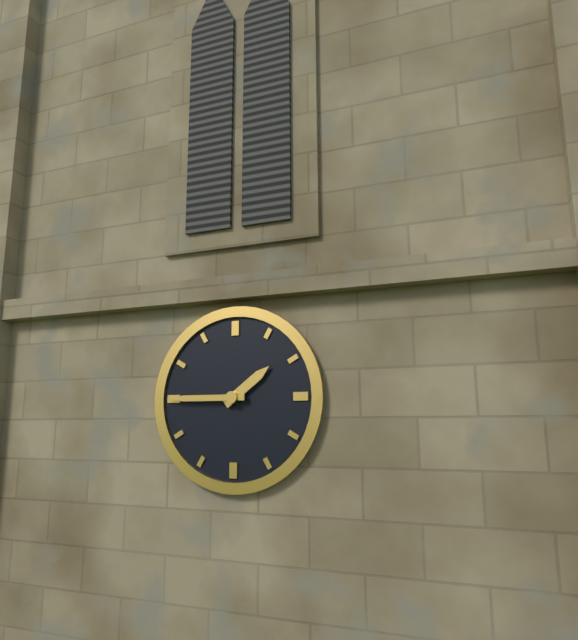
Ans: 1:45
